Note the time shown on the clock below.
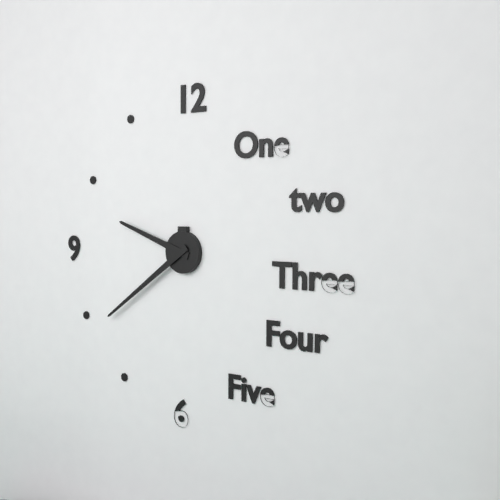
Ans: 9:39
